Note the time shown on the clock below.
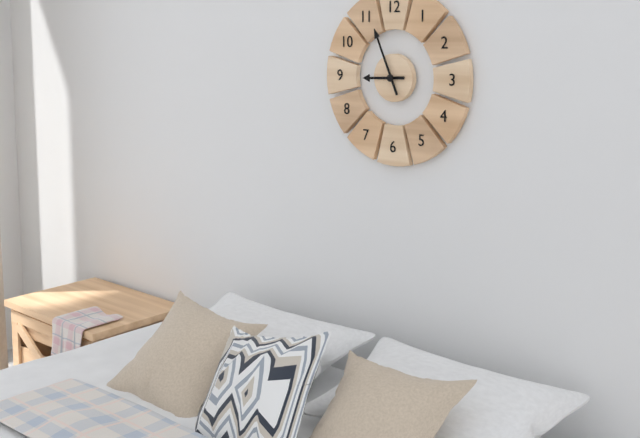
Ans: 8:56
